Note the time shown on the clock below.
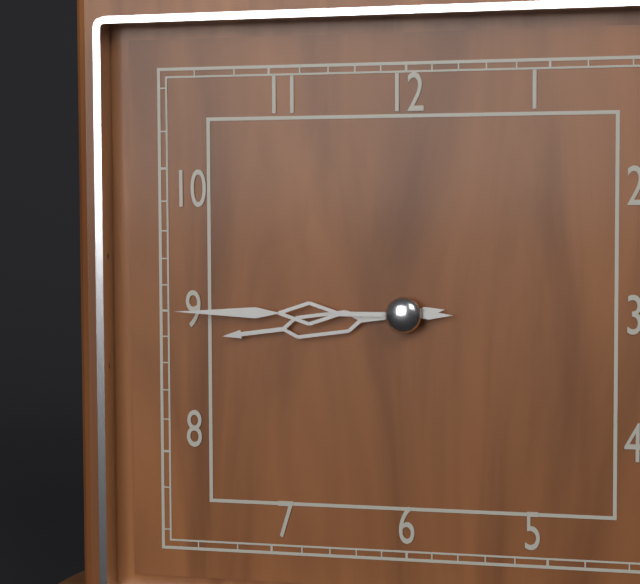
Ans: 8:45
